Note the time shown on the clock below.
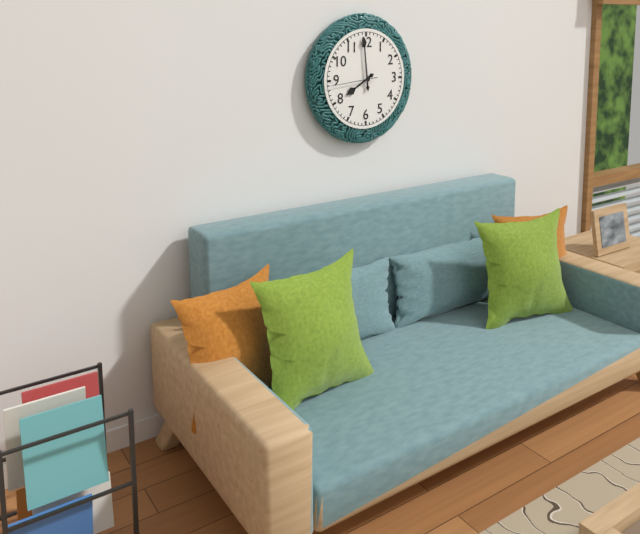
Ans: 7:59
